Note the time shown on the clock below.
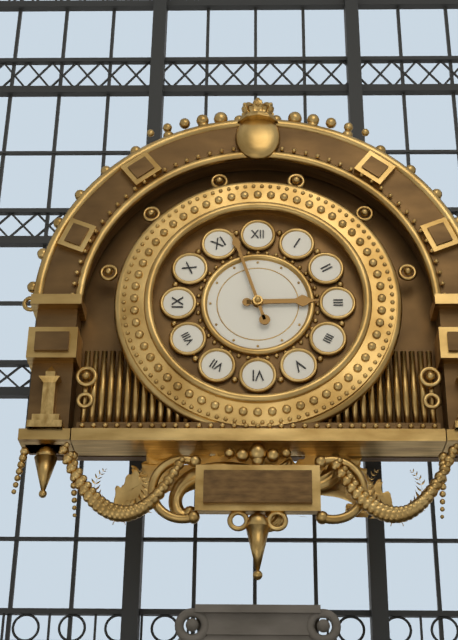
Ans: 2:57
